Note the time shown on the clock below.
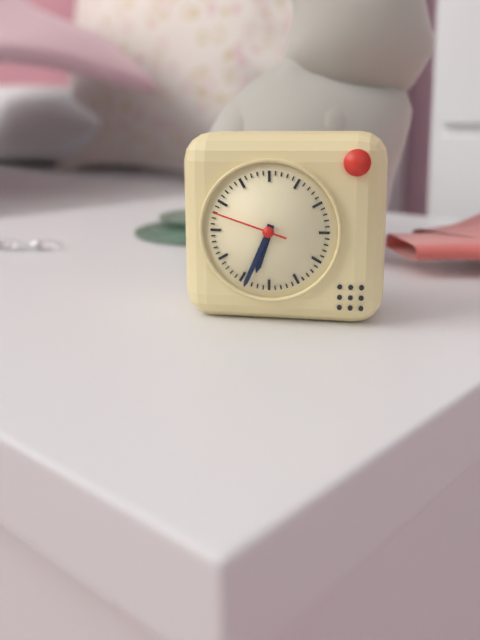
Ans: 6:34:48
